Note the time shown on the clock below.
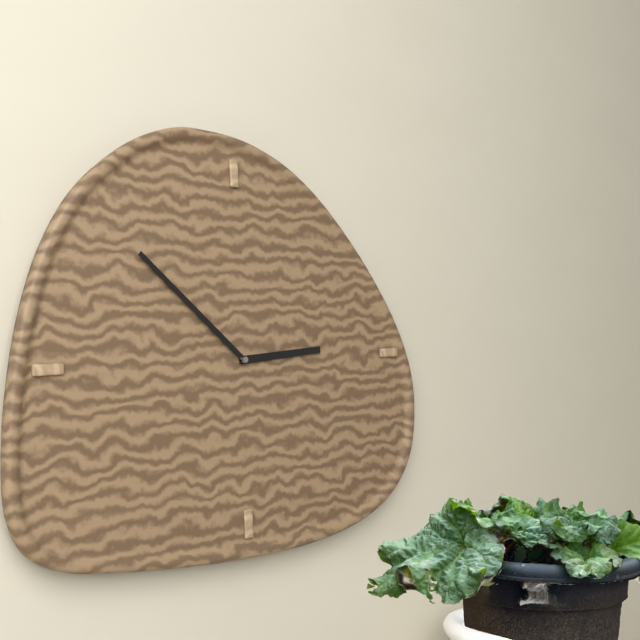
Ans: 2:52
